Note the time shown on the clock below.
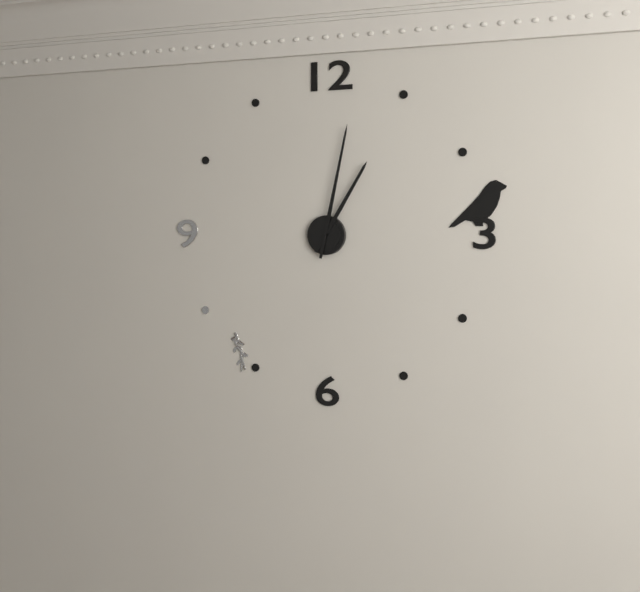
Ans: 1:02
